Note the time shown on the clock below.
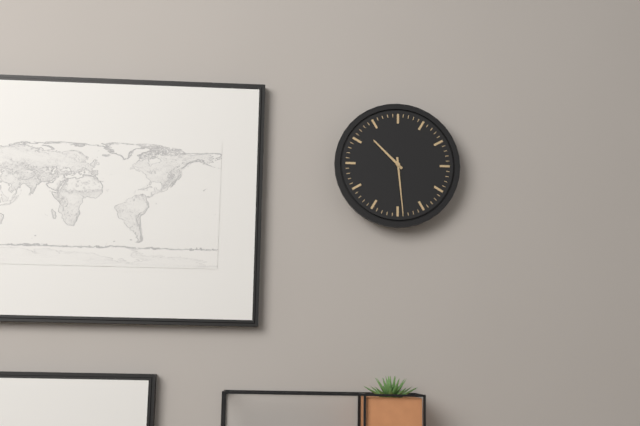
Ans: 10:29
